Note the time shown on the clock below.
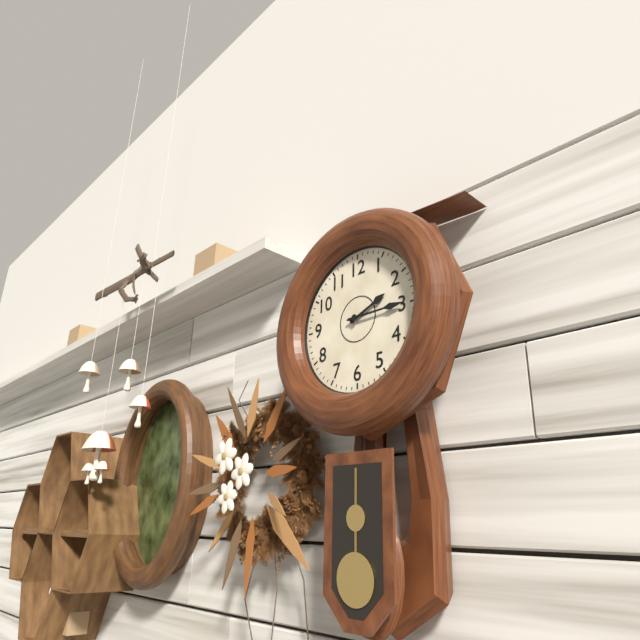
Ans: 2:15
